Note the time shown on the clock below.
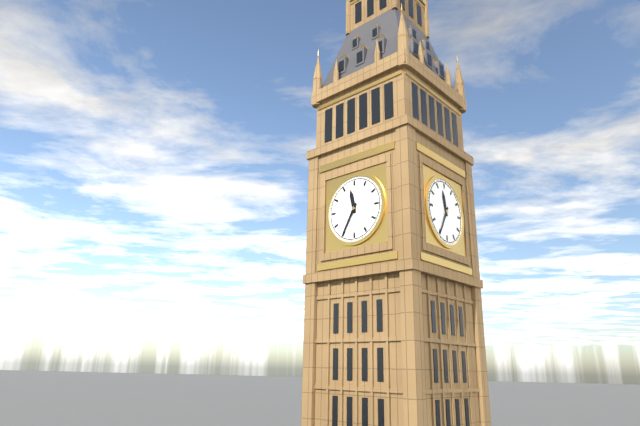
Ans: 11:35
